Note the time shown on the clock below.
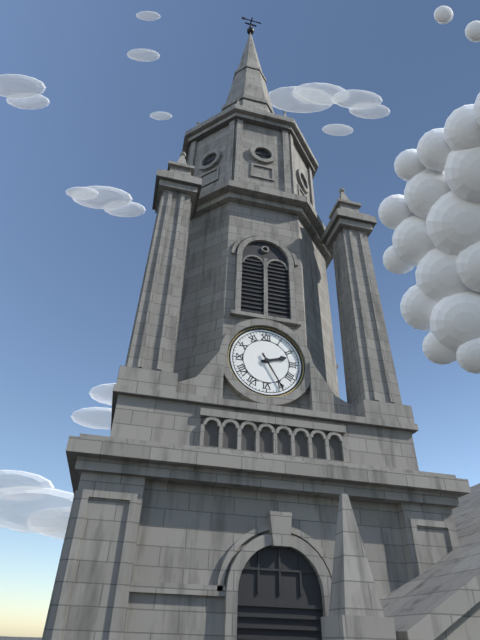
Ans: 2:25
